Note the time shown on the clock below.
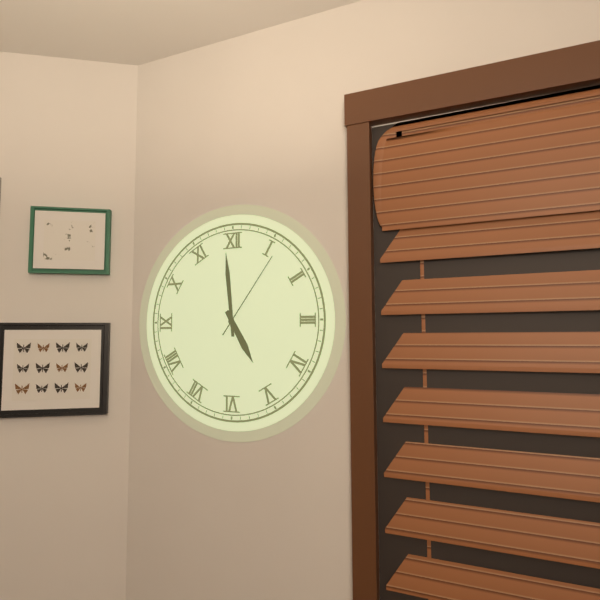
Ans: 4:59:06
